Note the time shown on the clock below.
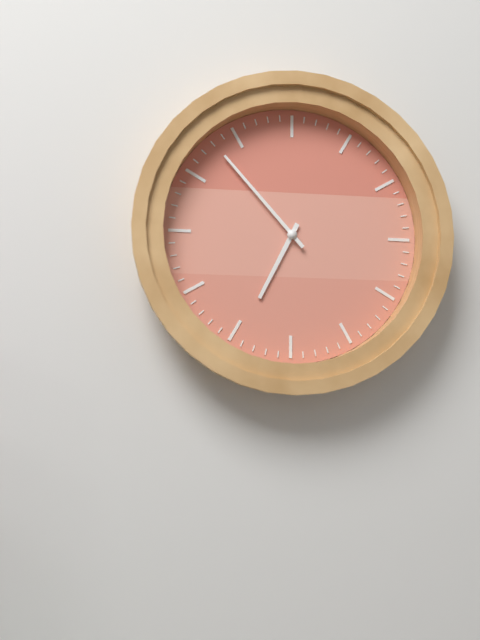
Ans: 6:53
